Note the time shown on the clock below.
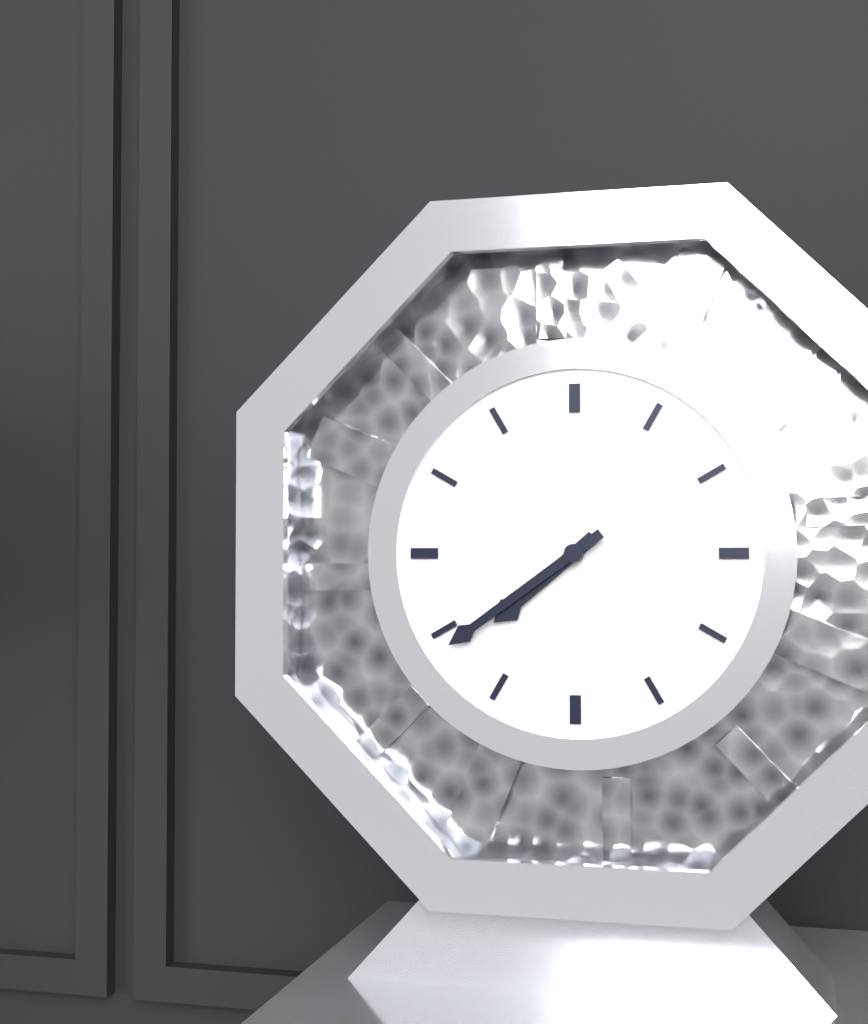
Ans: 7:39
